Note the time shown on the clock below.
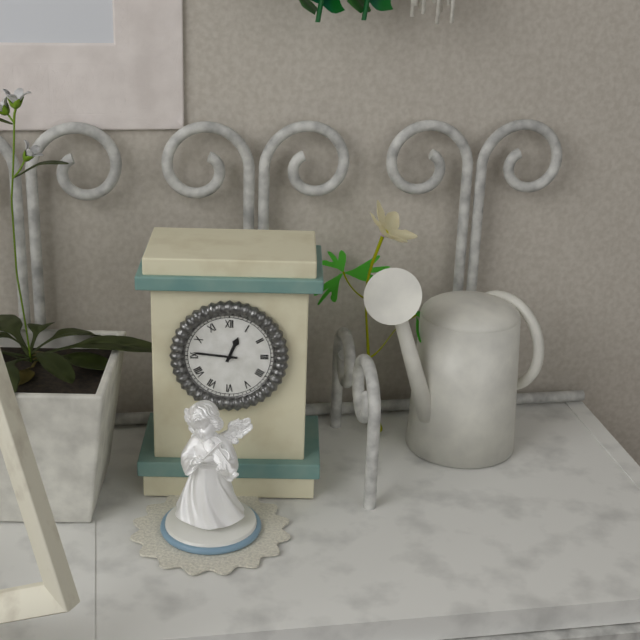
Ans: 12:46
